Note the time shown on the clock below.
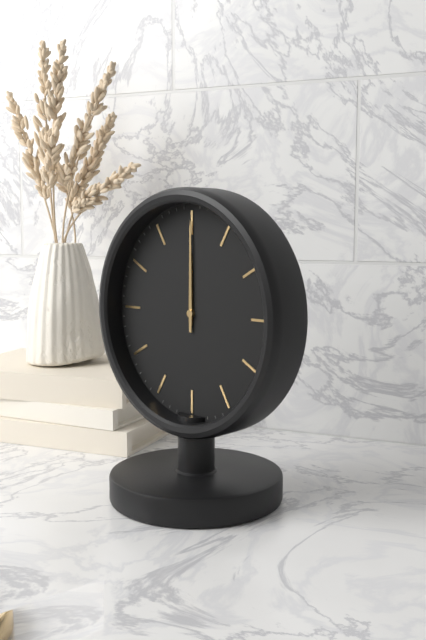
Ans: 12:00
